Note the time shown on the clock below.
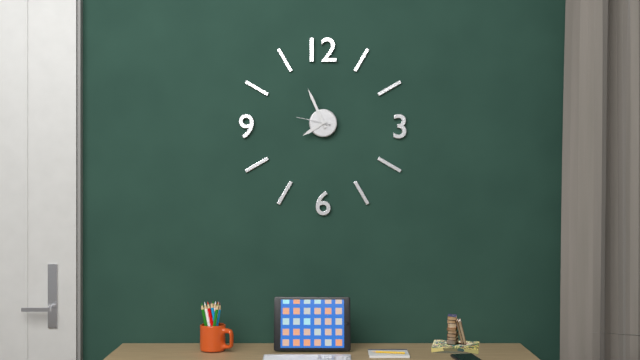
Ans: 7:56
